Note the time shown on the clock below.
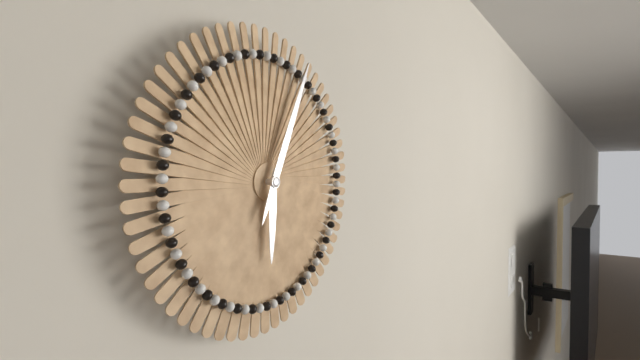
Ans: 6:04
